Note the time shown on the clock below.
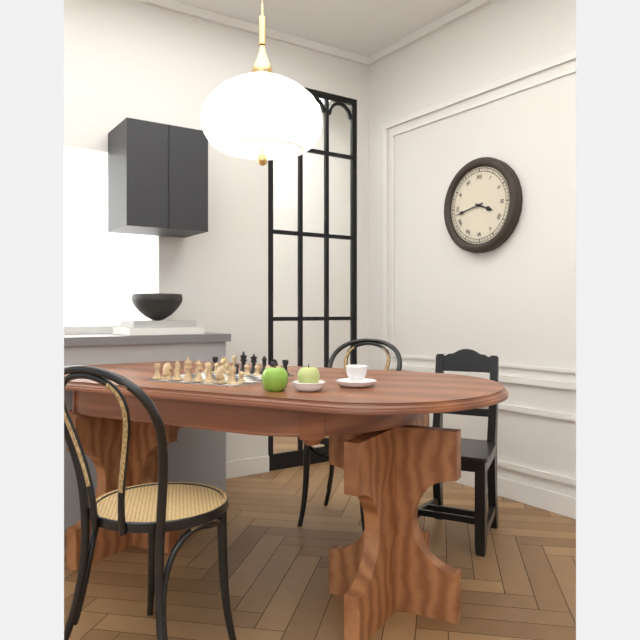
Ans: 3:43
